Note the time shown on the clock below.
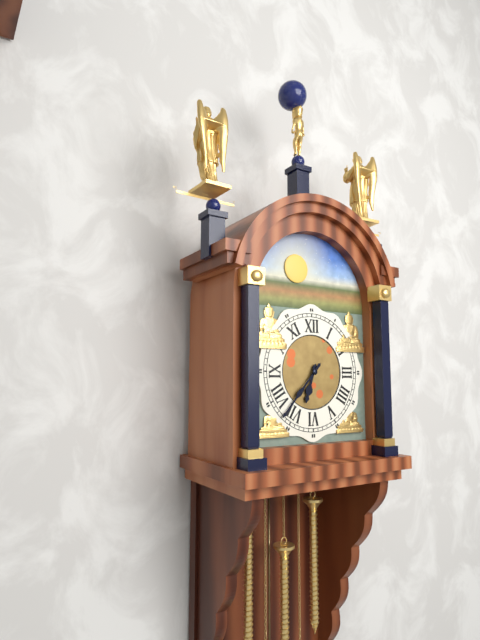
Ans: 6:37
